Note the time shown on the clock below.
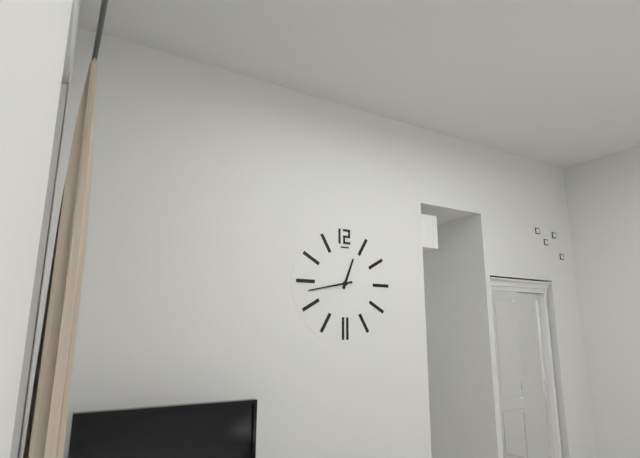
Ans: 12:43
